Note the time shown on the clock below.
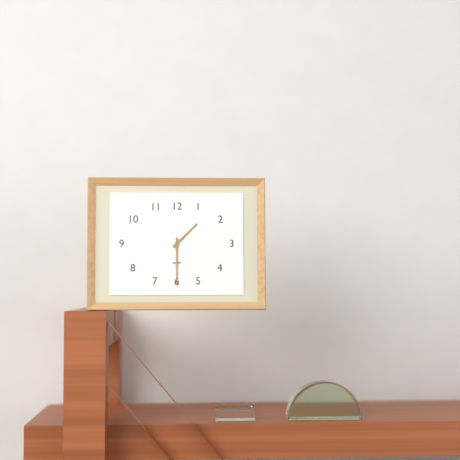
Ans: 1:30
